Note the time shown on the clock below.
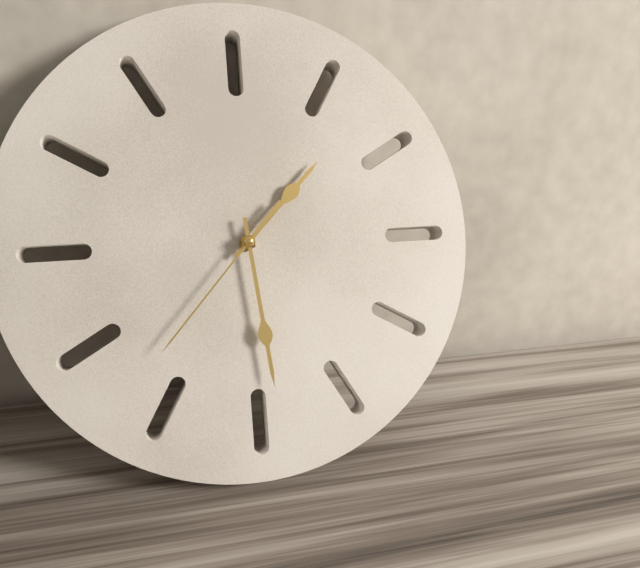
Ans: 1:29:37
